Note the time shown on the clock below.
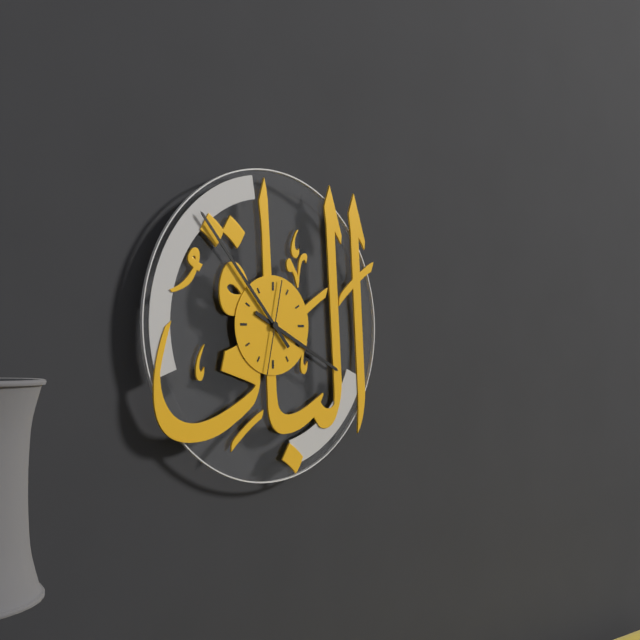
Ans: 3:53:32
